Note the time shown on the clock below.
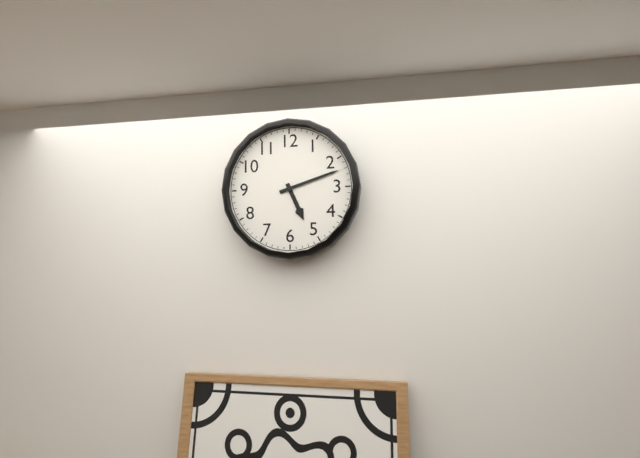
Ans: 5:12
